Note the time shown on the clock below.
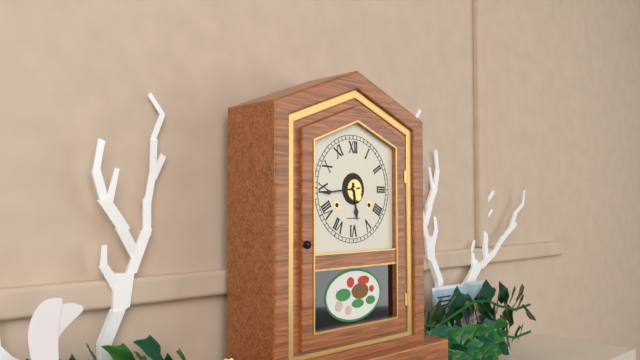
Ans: 5:44
